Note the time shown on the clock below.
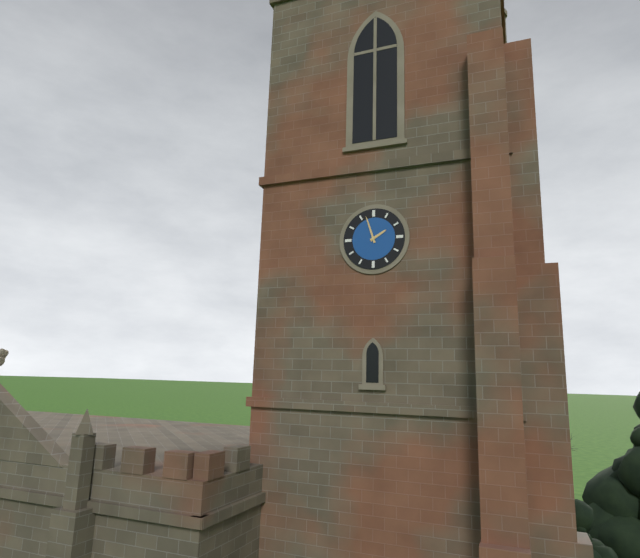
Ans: 1:57
